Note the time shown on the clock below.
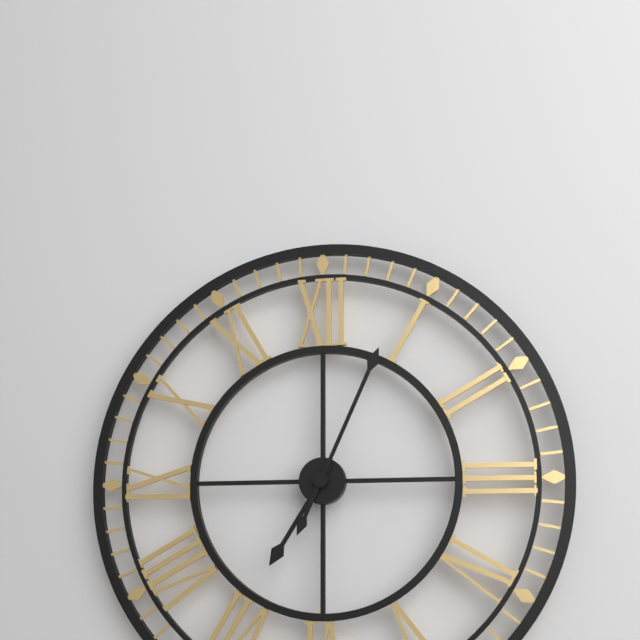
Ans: 7:04
